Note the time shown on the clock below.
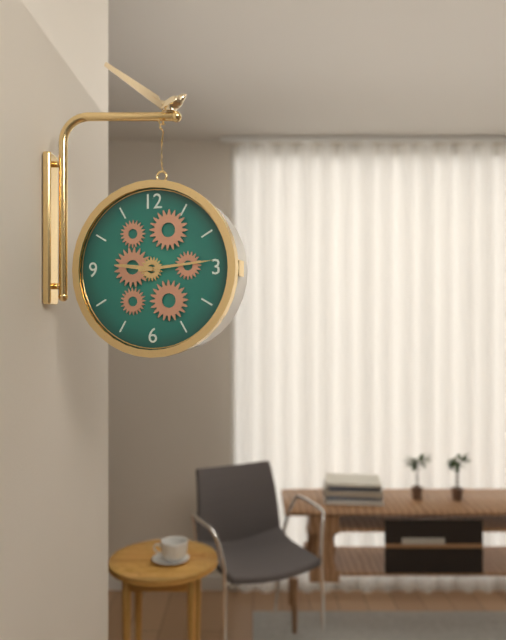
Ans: 9:14
